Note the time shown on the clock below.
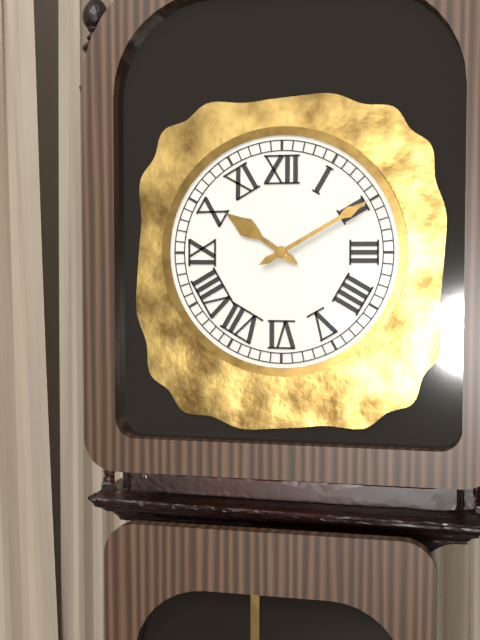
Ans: 10:10
